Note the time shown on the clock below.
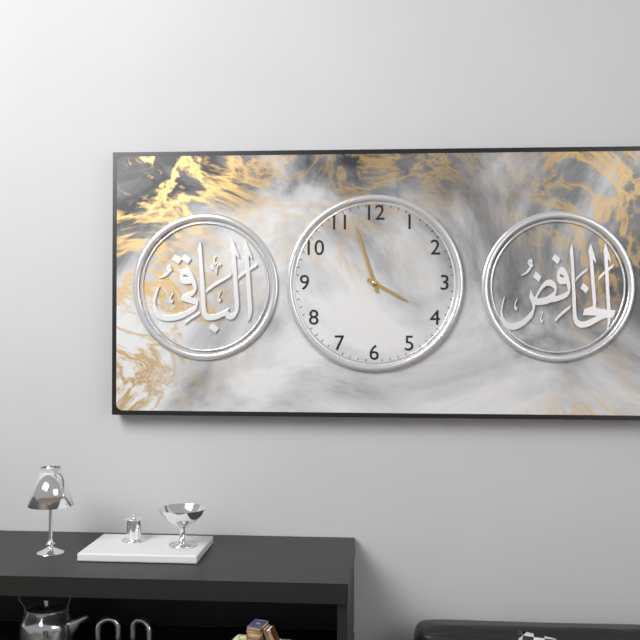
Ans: 3:57
